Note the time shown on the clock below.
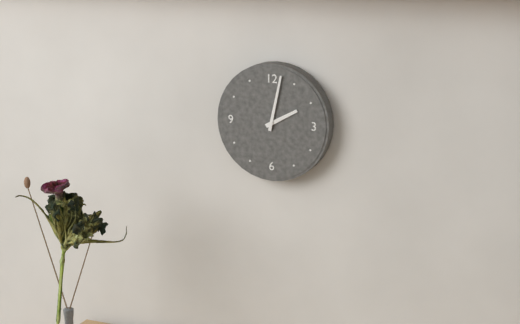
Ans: 2:02
